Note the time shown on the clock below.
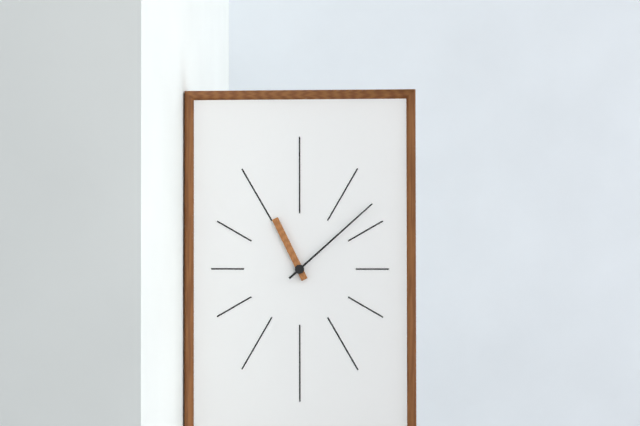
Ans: 11:08
